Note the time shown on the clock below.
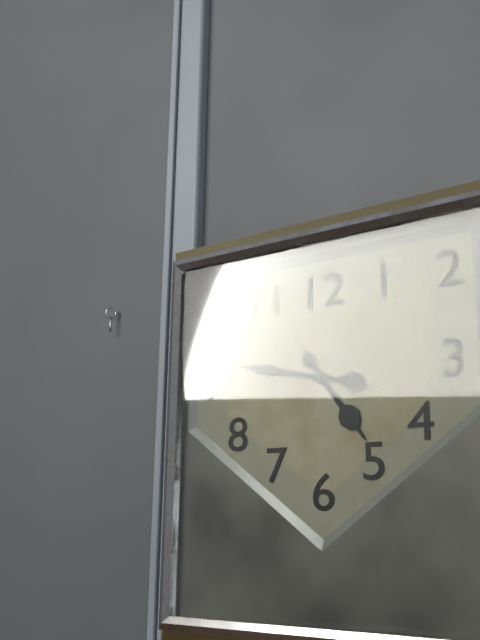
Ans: 4:47
